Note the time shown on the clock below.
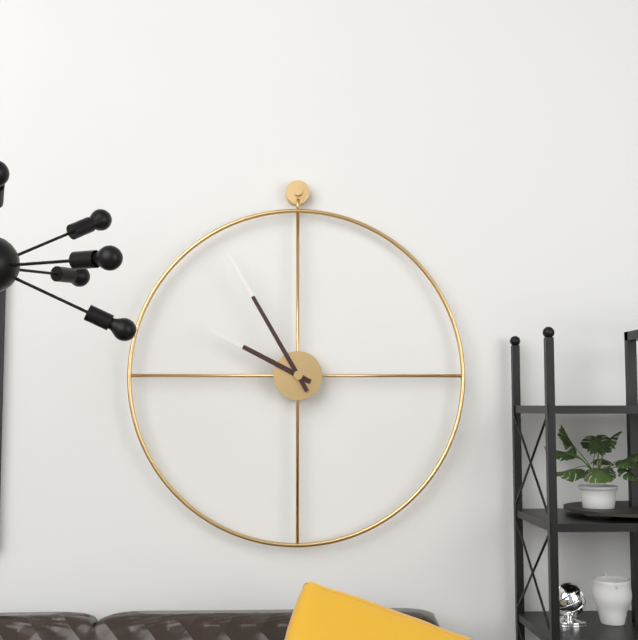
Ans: 9:55
